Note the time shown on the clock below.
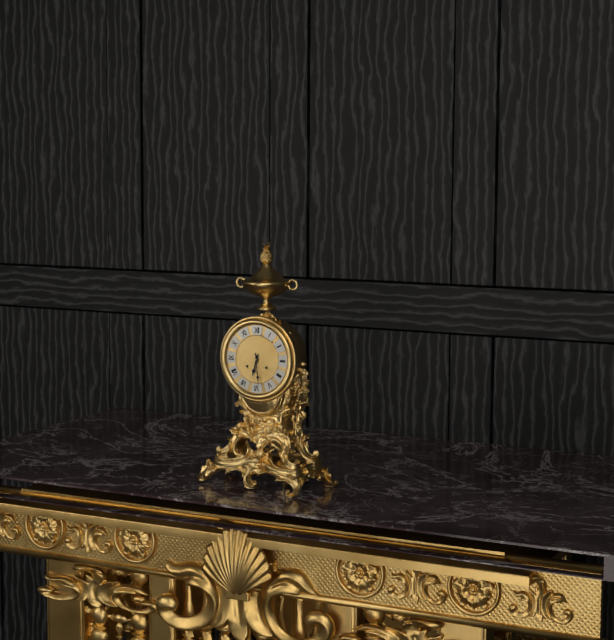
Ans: 6:29
